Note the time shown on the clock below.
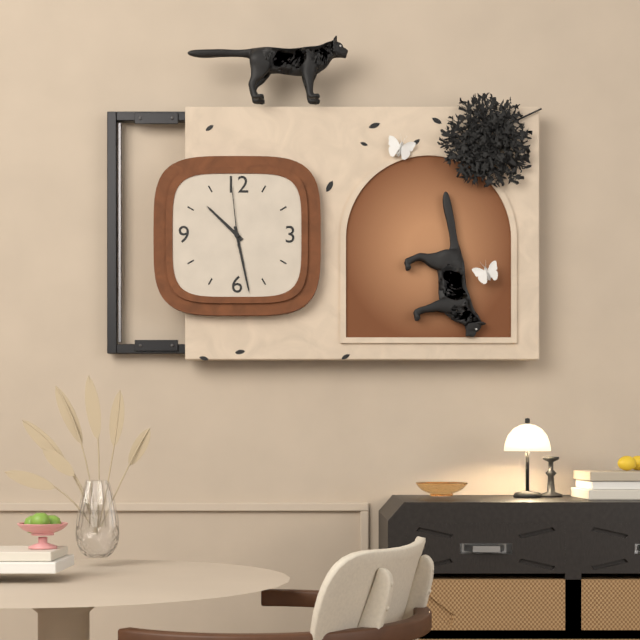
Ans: 10:28:59
